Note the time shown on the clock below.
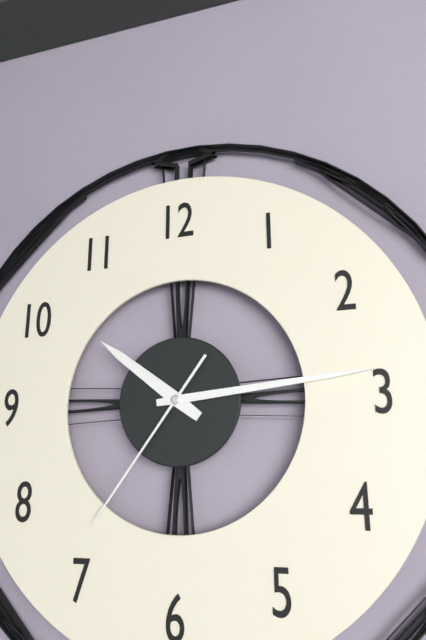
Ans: 10:14:36
